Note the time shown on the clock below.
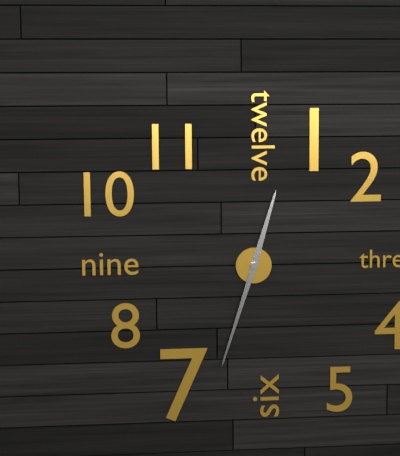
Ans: 12:33
